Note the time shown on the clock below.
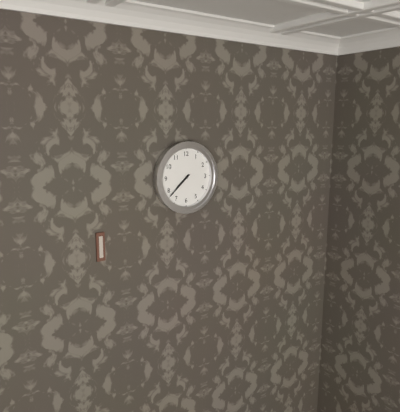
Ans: 7:38
